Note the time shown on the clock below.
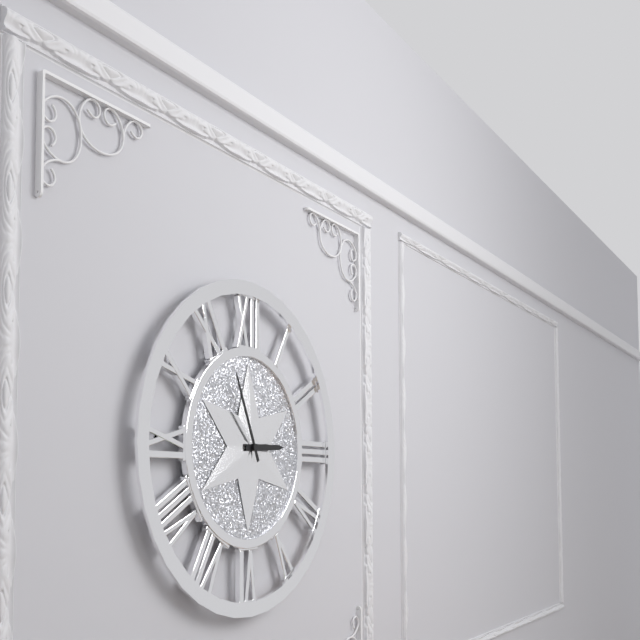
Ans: 2:56
